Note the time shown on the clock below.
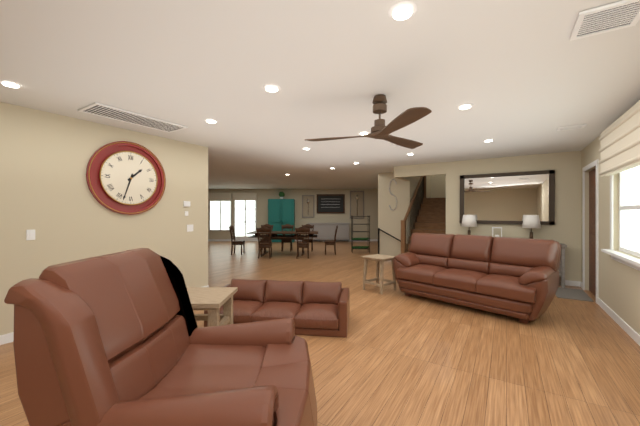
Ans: 1:33
